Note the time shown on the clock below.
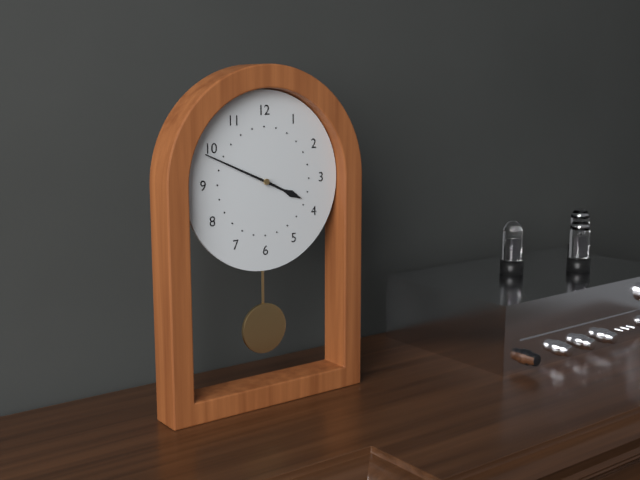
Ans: 3:49
